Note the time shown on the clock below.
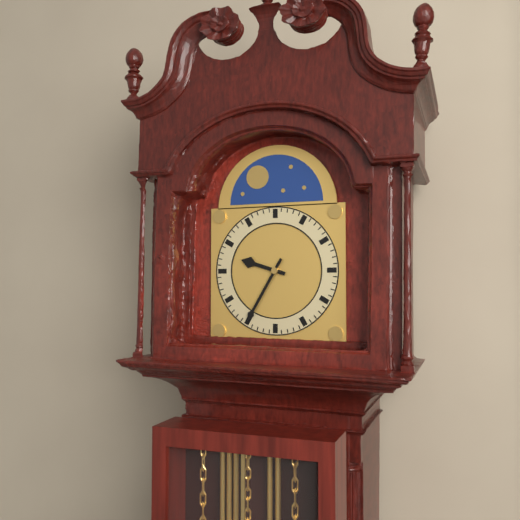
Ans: 9:35
